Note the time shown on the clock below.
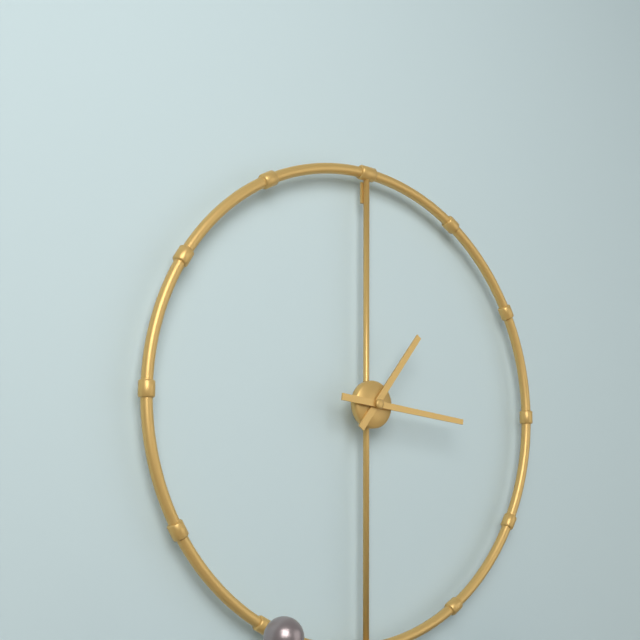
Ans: 1:16
